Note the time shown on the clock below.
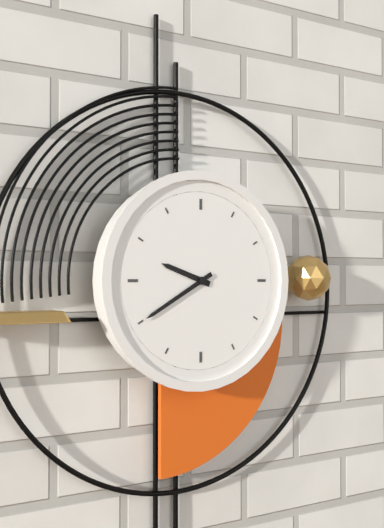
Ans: 9:40
